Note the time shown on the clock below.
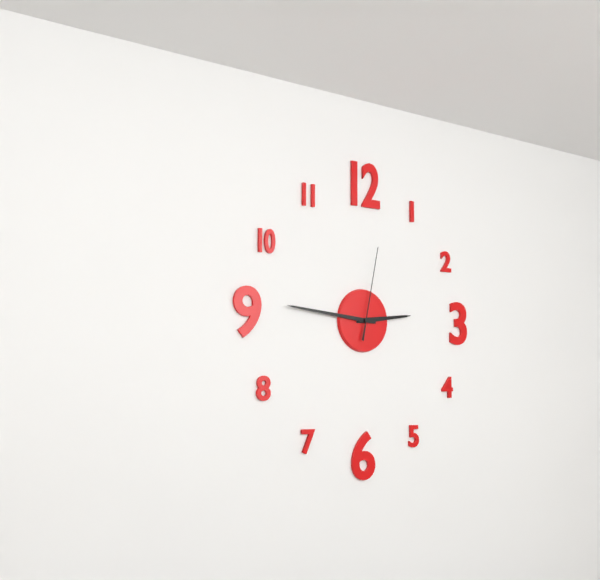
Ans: 2:46:02
